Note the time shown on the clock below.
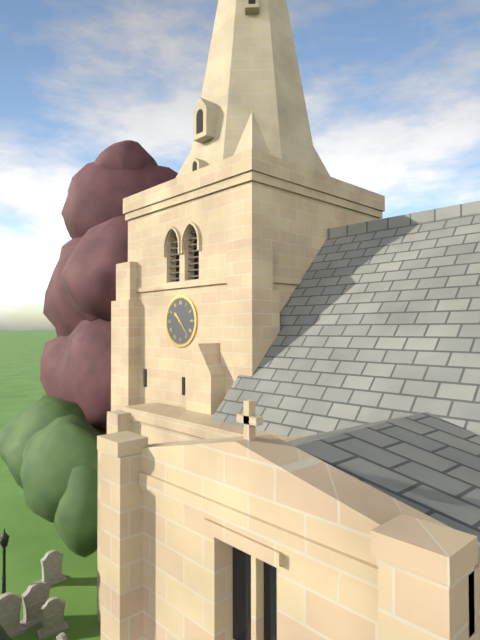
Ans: 10:23
